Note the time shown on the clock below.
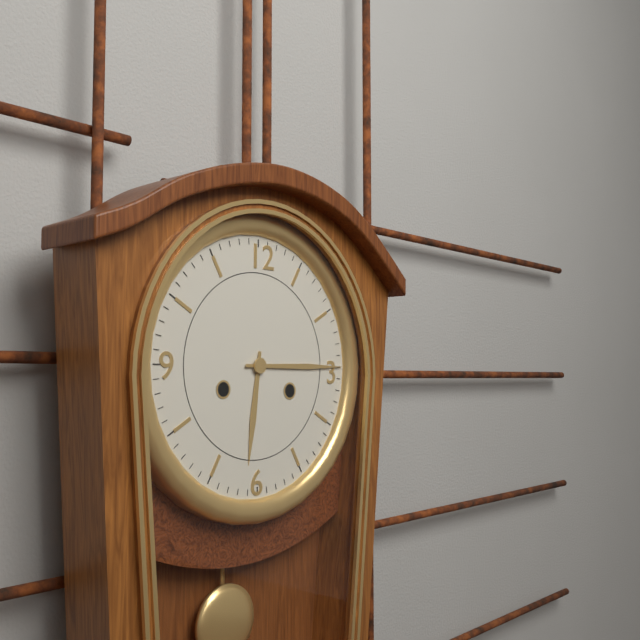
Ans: 6:15
